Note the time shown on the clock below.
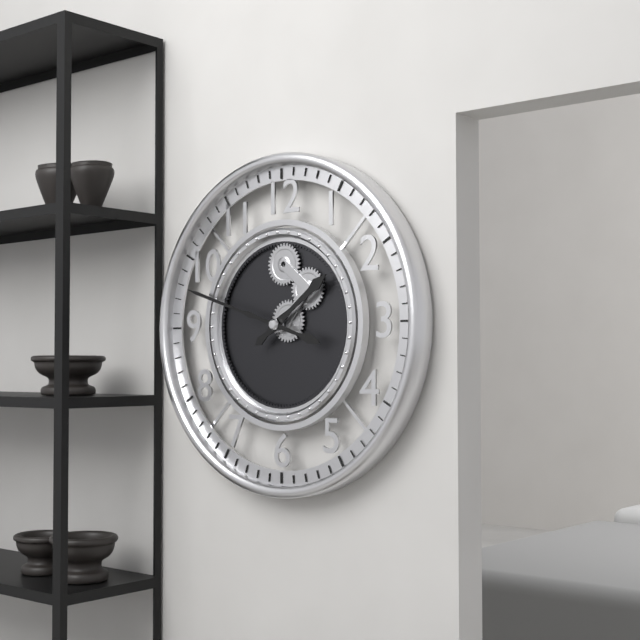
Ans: 1:48
